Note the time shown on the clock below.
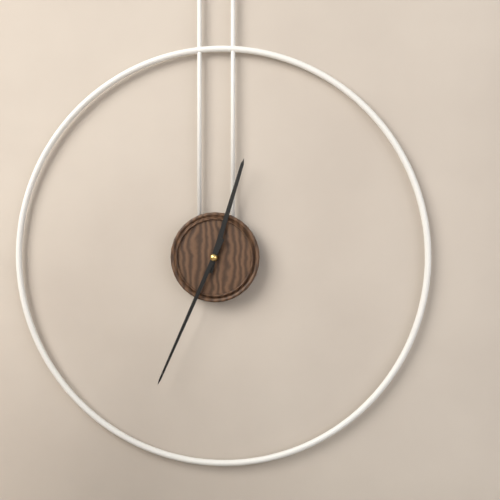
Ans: 12:34
